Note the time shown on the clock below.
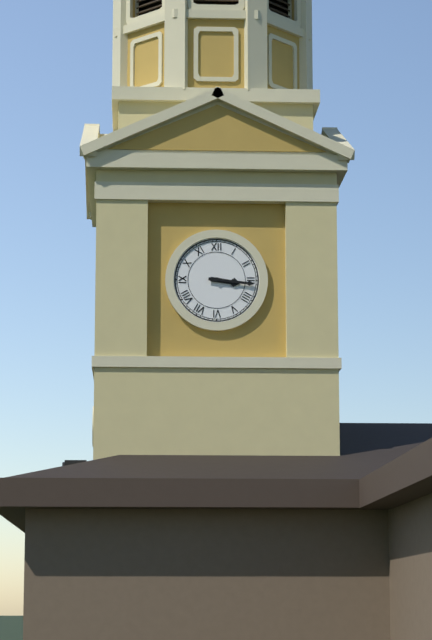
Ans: 3:16
